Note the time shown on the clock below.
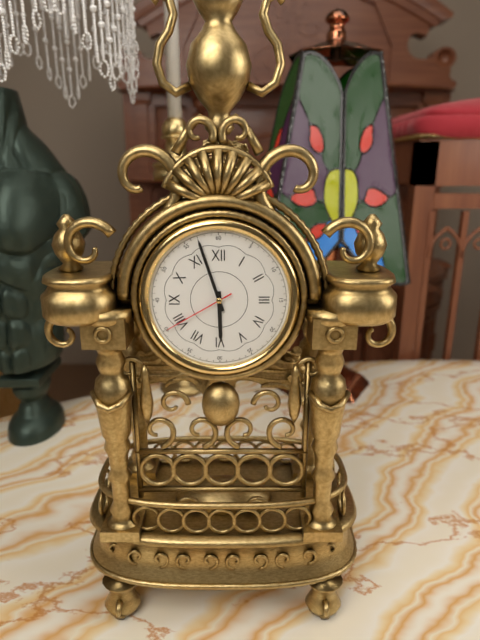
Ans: 5:57:40
